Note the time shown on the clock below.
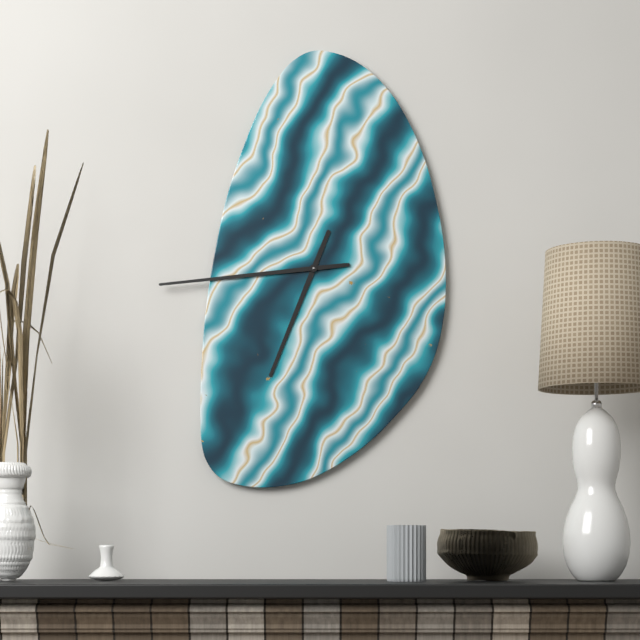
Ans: 6:44
